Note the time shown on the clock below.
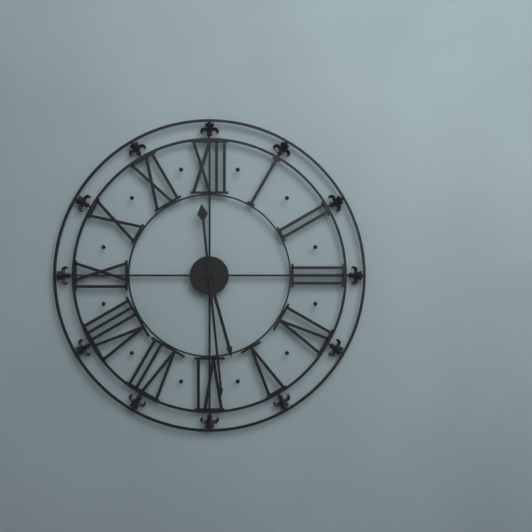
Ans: 5:29
